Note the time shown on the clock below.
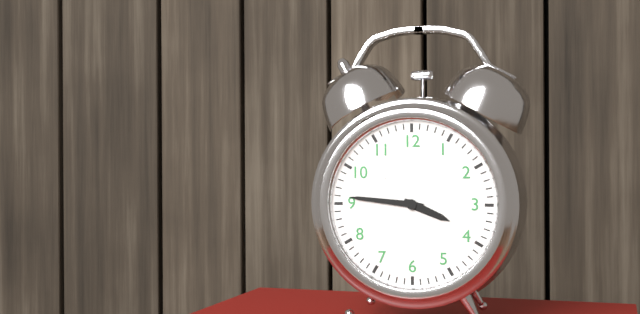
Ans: 3:46
